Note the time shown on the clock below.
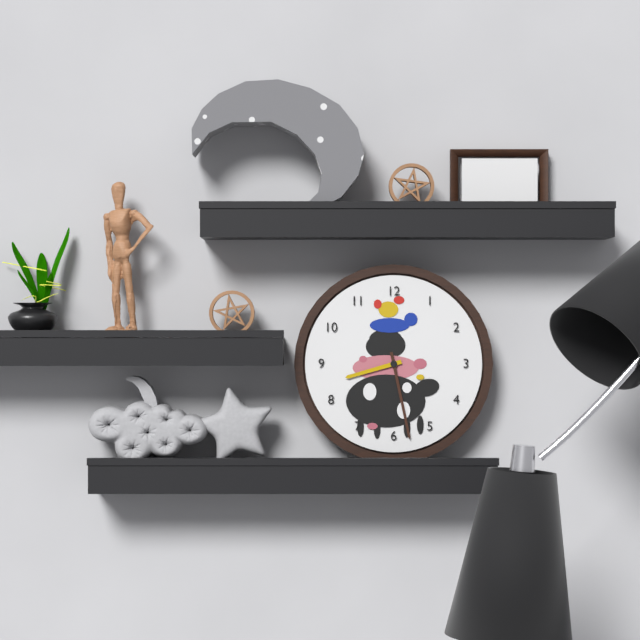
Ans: 8:28
